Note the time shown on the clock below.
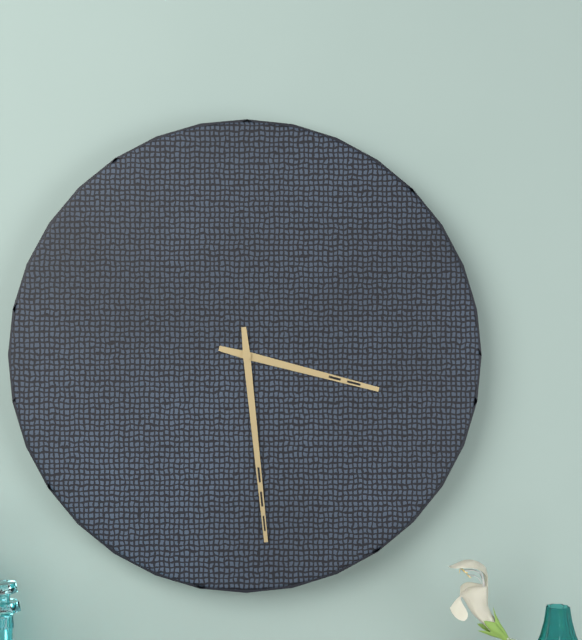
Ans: 3:29
